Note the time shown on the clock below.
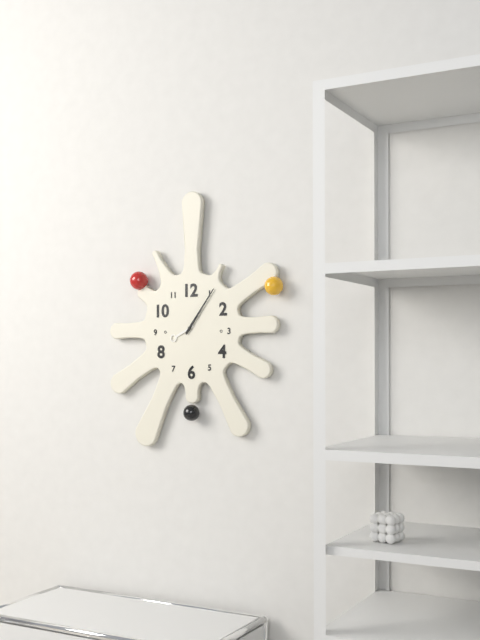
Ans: 8:06
